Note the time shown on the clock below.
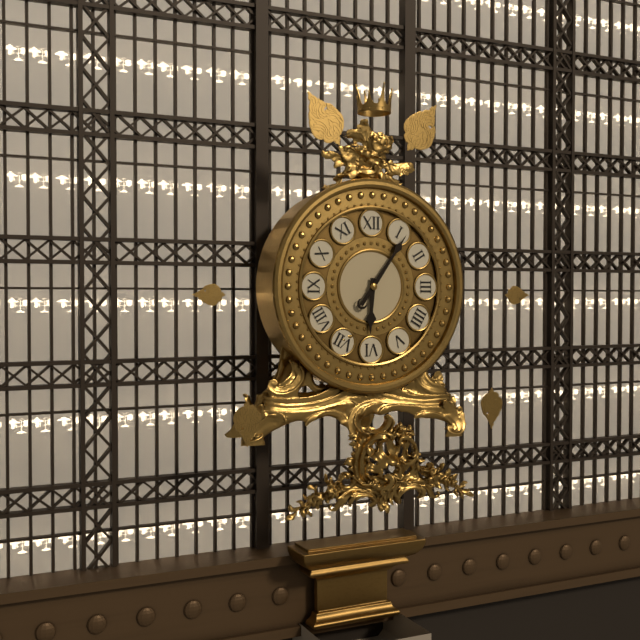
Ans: 6:06
